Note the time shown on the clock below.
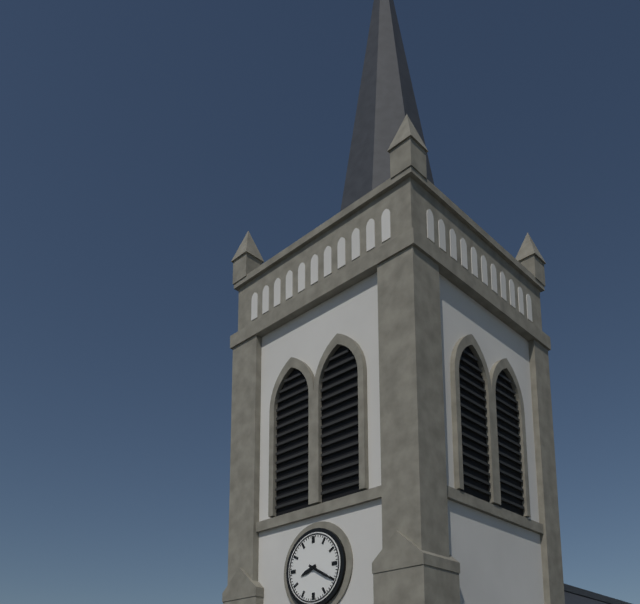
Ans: 8:20
